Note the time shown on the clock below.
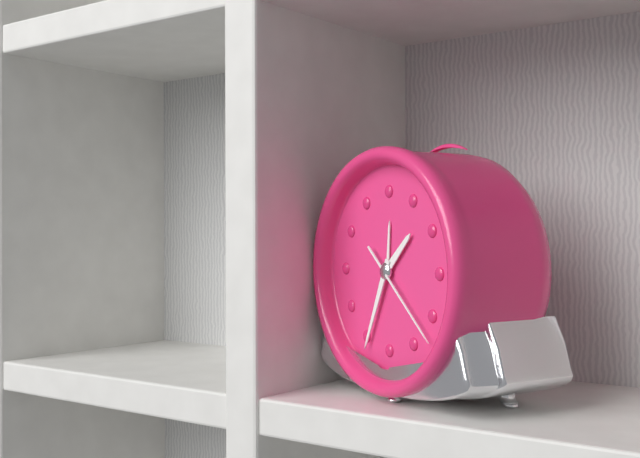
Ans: 1:34:22
